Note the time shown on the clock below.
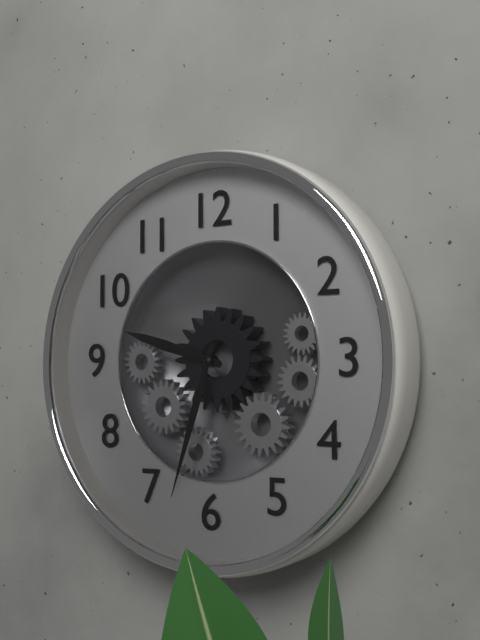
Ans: 9:33
